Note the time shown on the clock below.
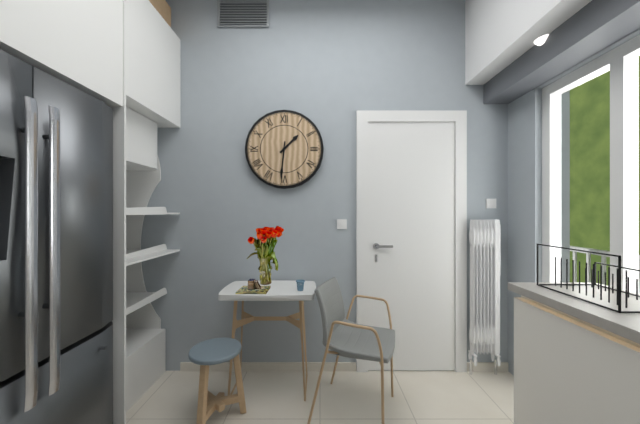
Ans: 1:31
